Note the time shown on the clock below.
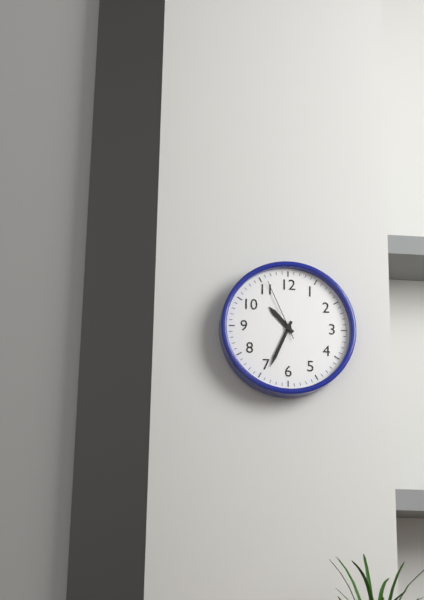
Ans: 10:34:56
